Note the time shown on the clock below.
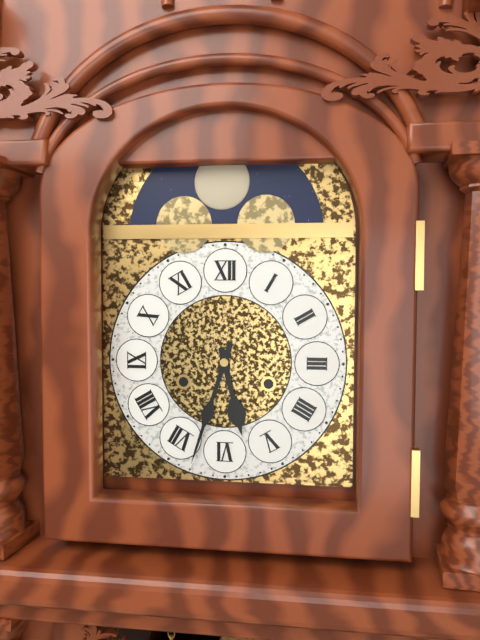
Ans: 5:33
